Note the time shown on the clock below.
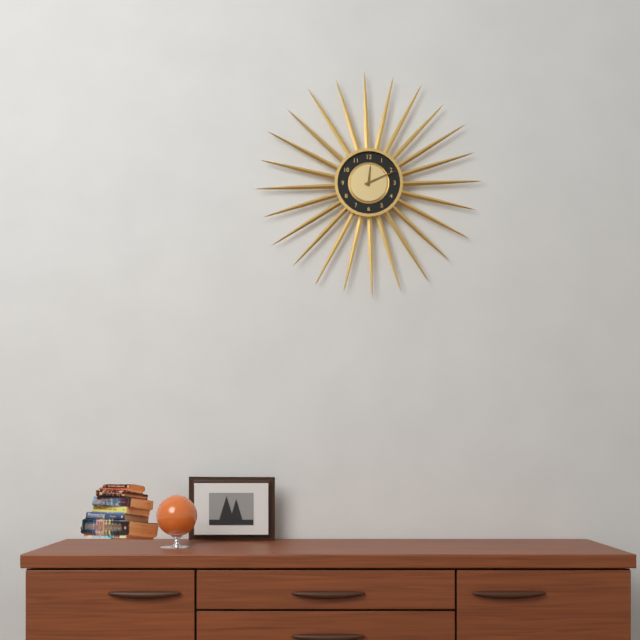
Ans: 12:11
